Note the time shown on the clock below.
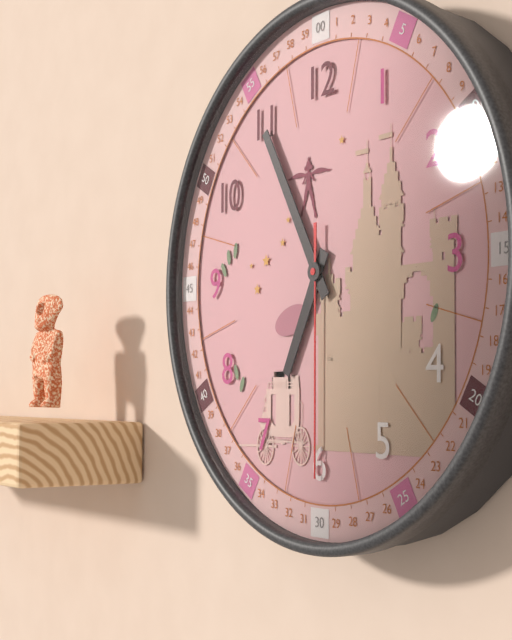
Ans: 6:55:30
